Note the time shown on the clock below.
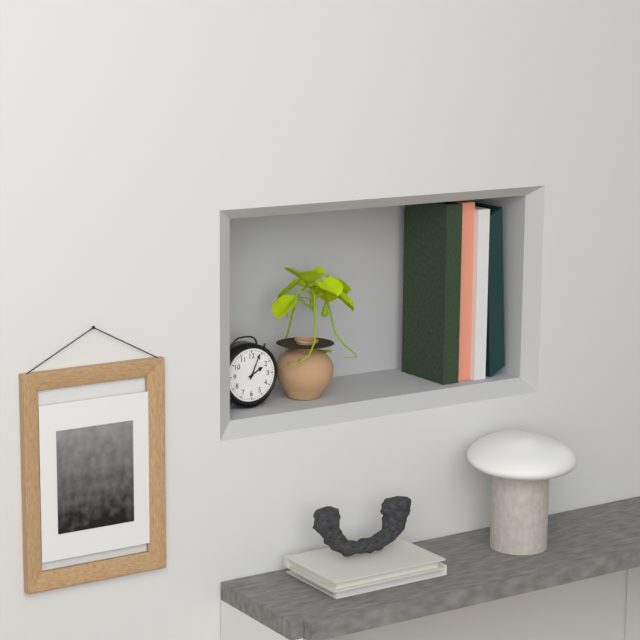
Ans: 2:04
